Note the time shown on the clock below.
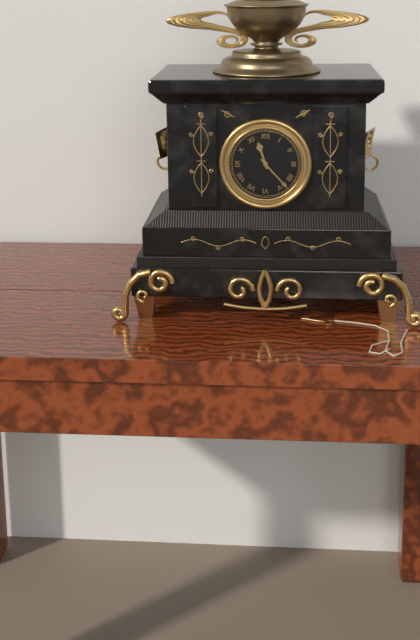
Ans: 11:23
